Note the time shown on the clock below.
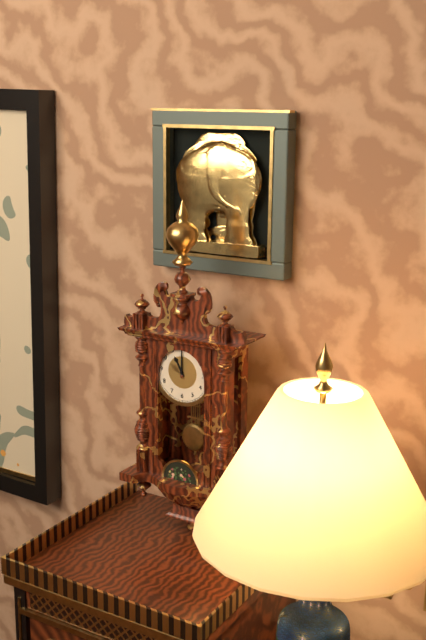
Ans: 11:00
